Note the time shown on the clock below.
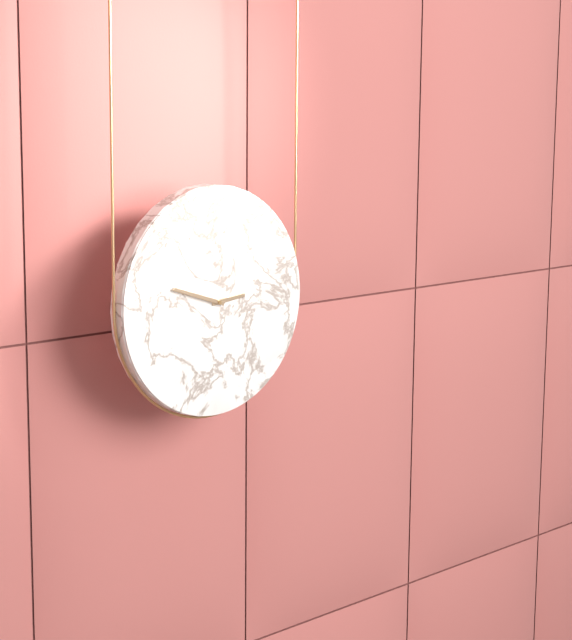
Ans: 2:48
